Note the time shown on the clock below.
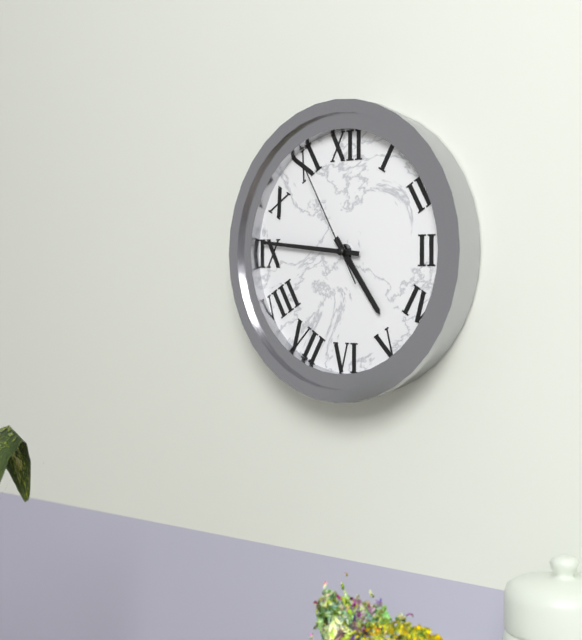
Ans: 4:46:55
